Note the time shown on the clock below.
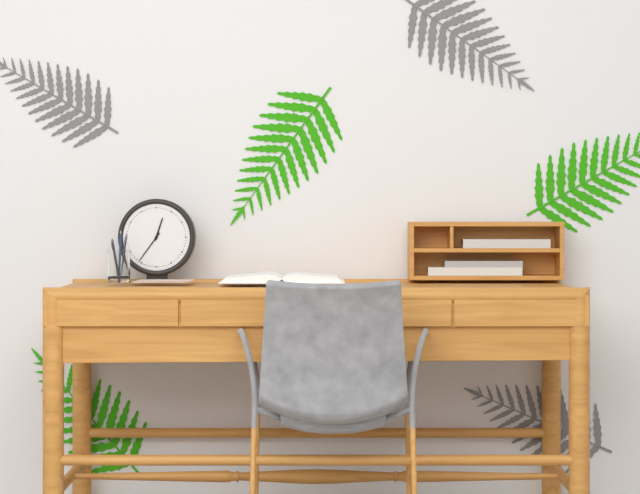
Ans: 12:36
